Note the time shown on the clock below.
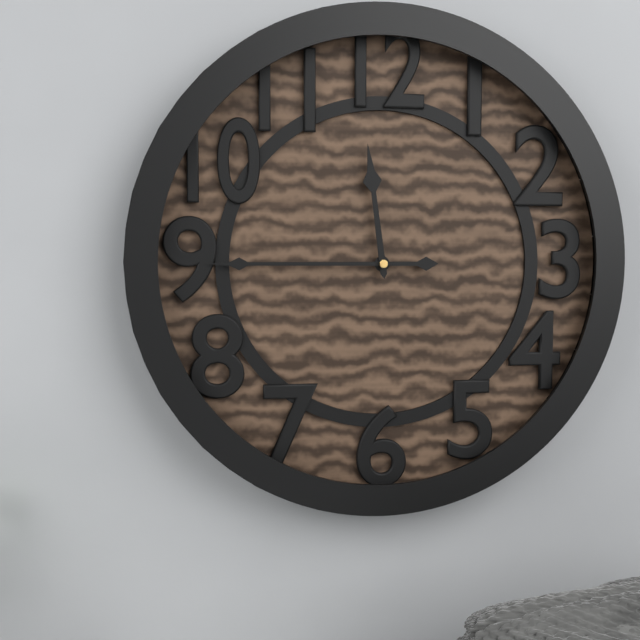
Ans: 11:45
